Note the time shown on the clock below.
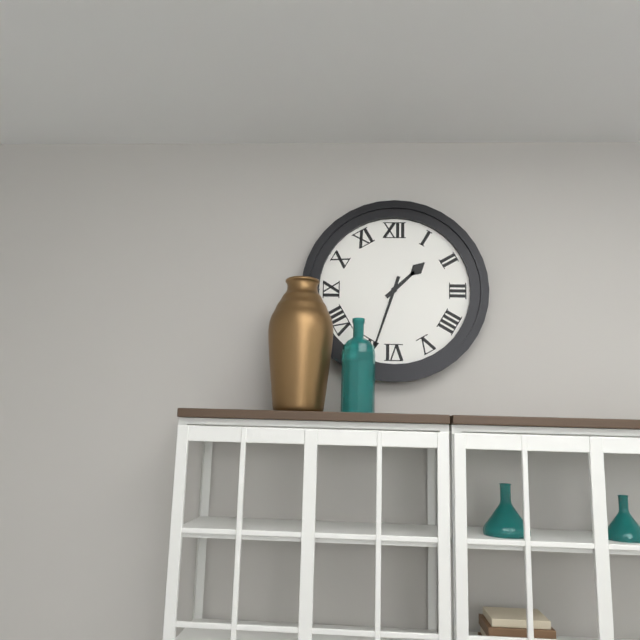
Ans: 1:33
